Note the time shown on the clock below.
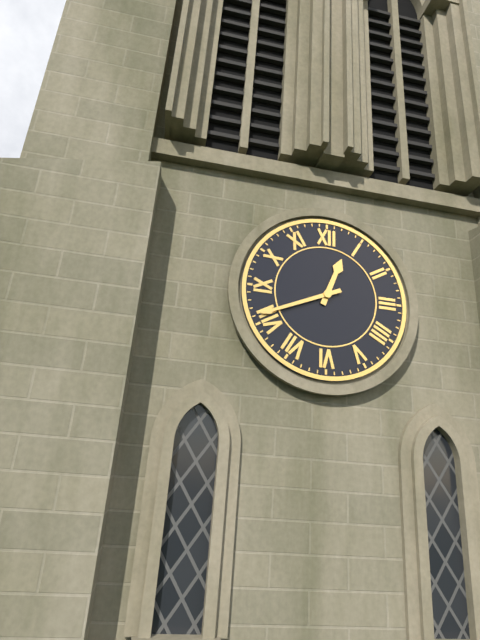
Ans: 12:41
